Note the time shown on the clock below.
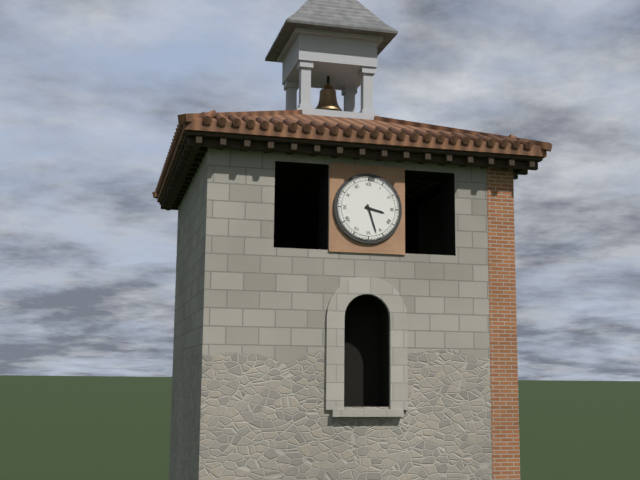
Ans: 3:27
